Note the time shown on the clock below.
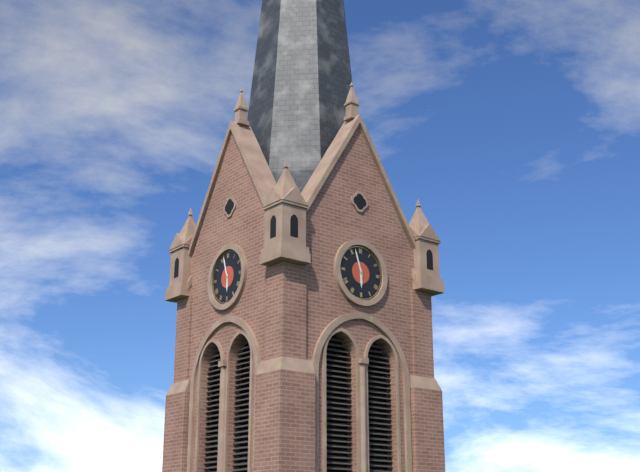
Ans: 5:57
